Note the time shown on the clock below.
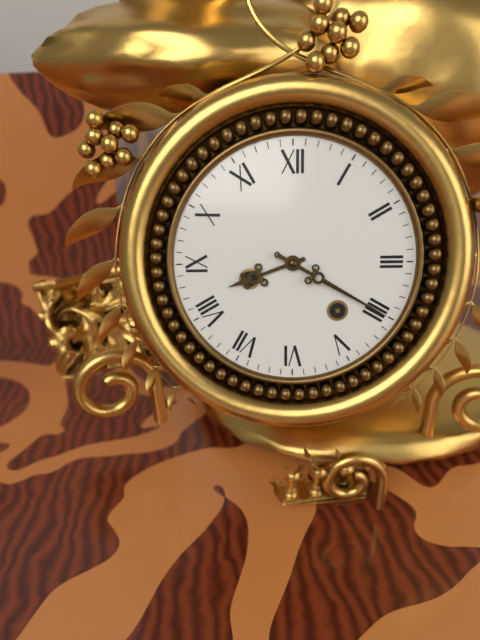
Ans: 8:20
